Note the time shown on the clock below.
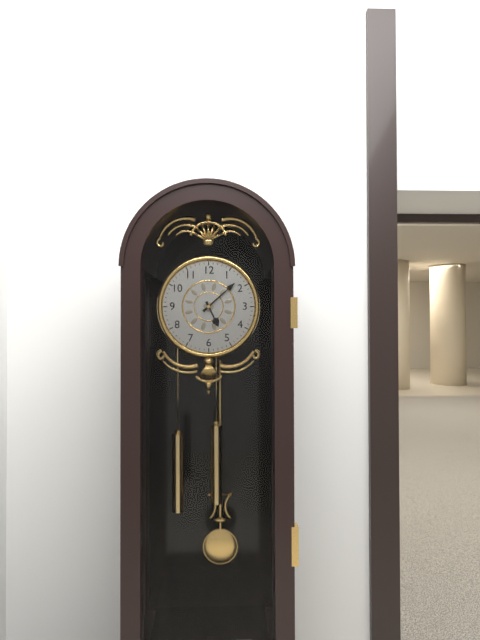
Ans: 5:08
